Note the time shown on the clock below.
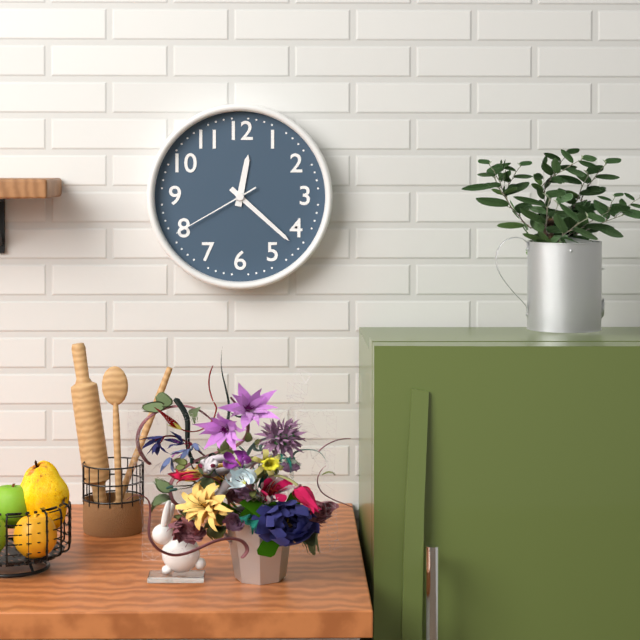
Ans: 12:22:40
